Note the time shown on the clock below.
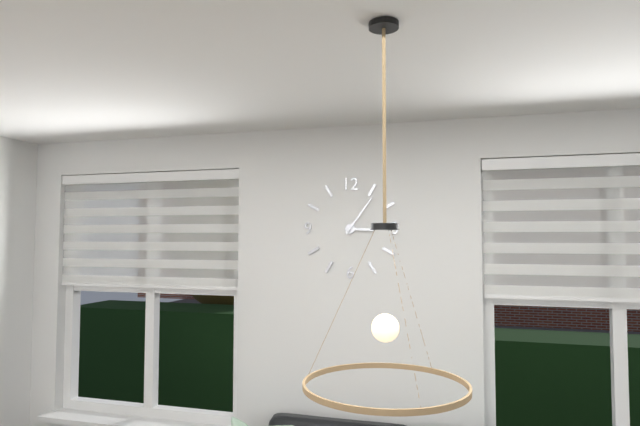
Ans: 3:06
